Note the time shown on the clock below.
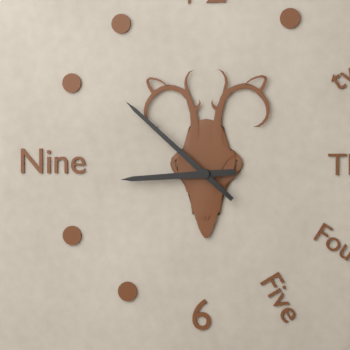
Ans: 8:52
